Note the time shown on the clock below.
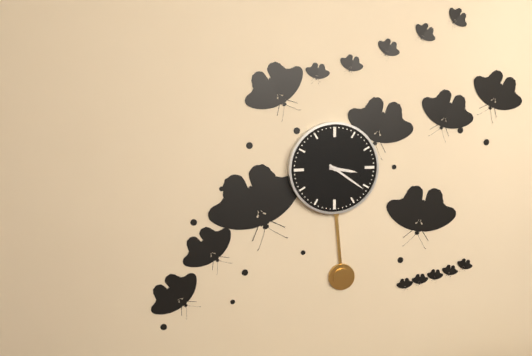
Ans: 3:21
